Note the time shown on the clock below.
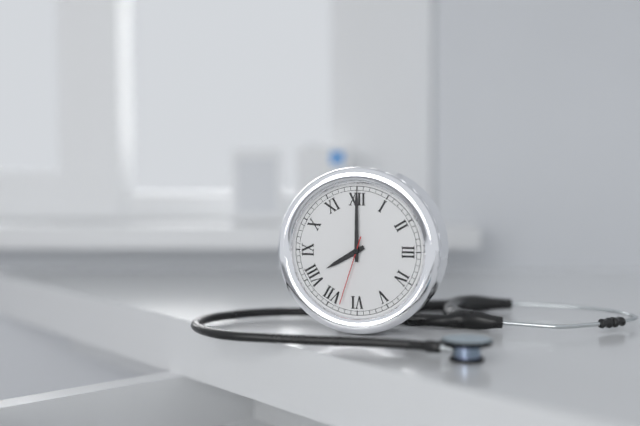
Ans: 8:00:33
